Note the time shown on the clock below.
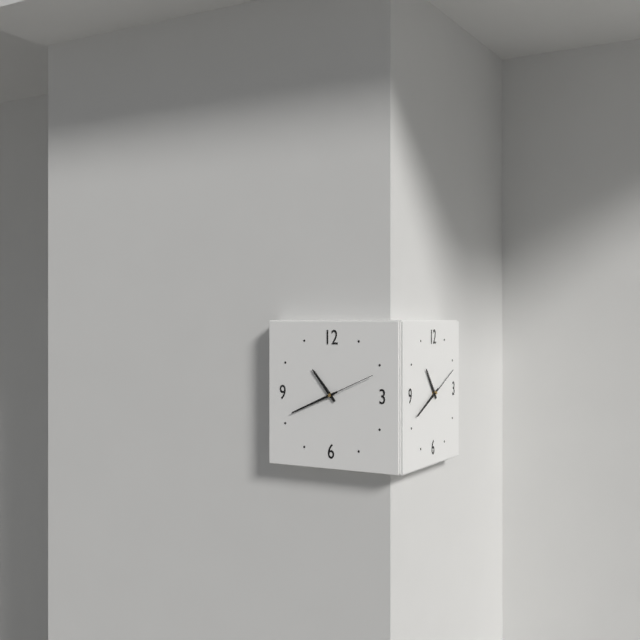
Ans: 10:41:11
